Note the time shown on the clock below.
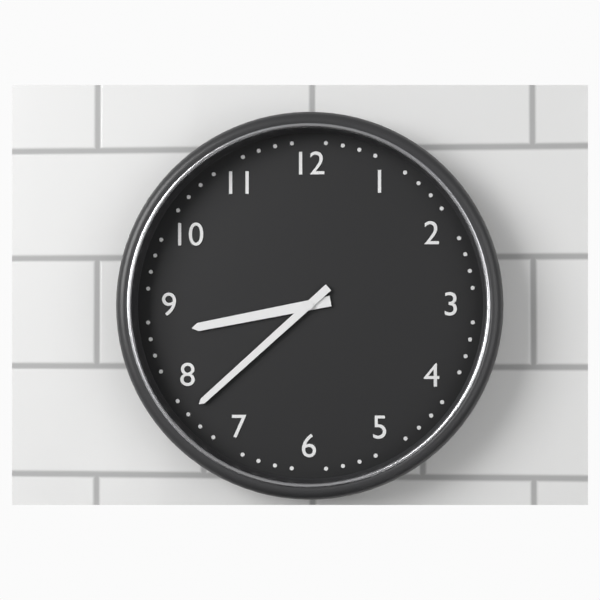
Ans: 8:38
